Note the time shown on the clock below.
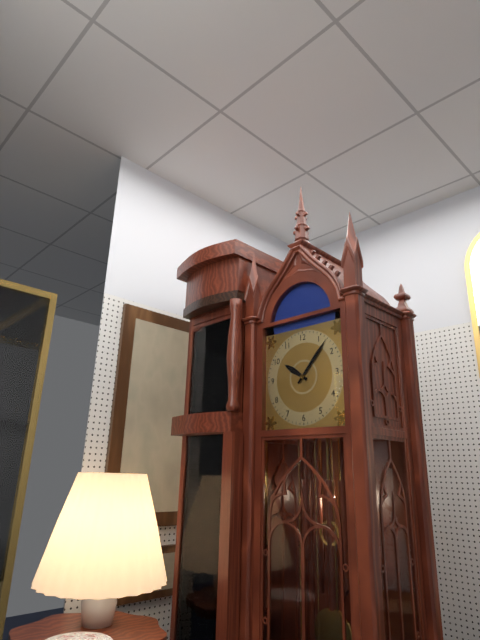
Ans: 10:07
